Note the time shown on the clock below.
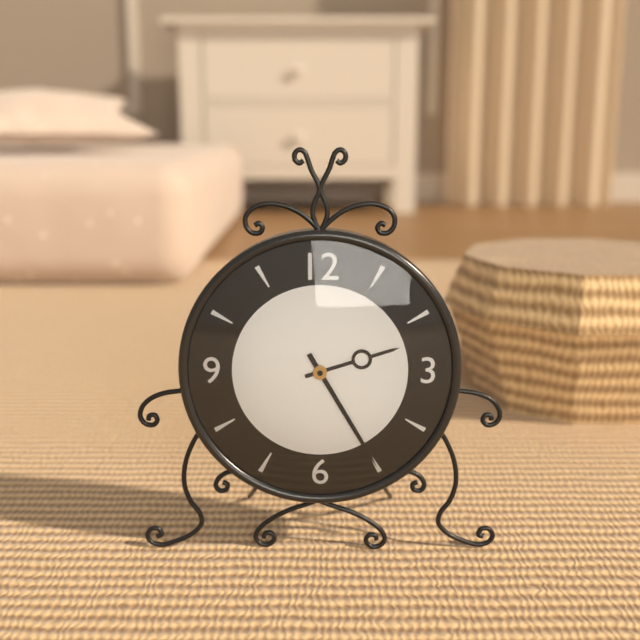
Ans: 2:25
